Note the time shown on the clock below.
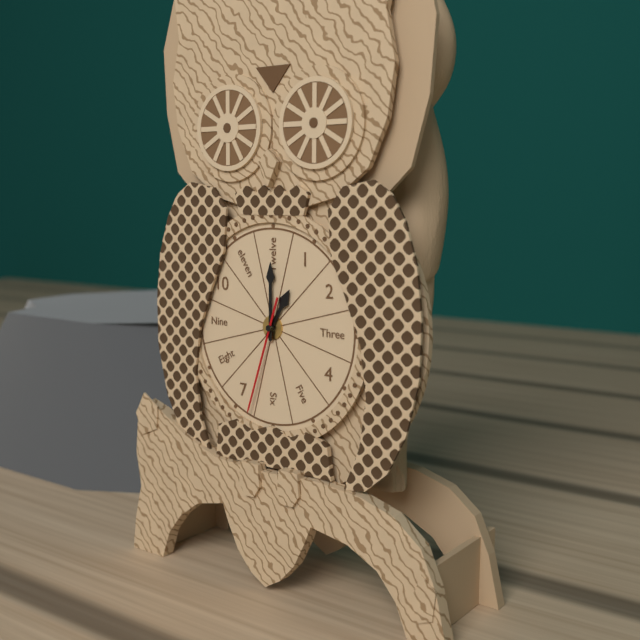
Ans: 1:00:33
